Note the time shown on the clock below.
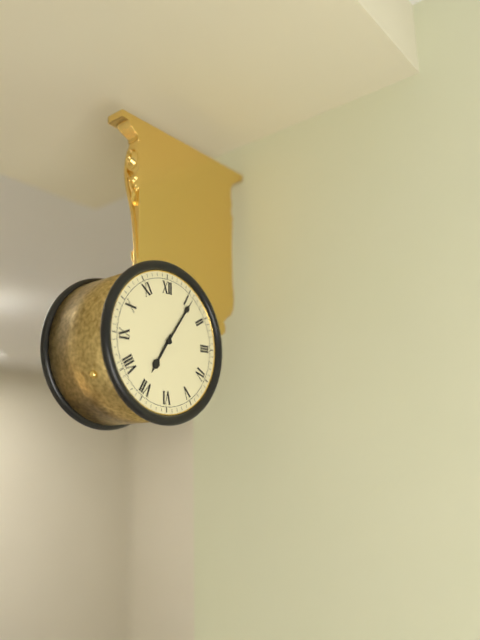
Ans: 7:06
